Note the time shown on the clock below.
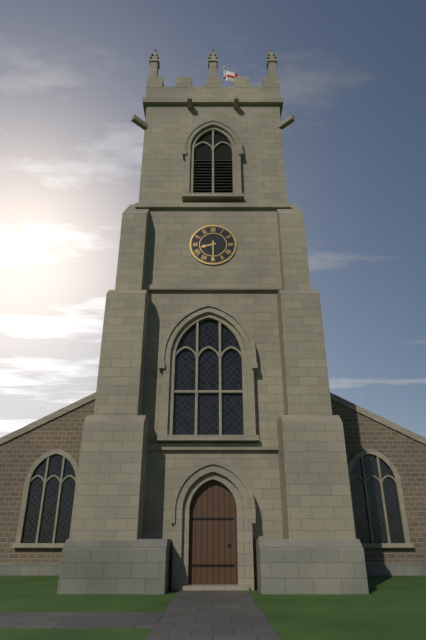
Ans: 8:30
